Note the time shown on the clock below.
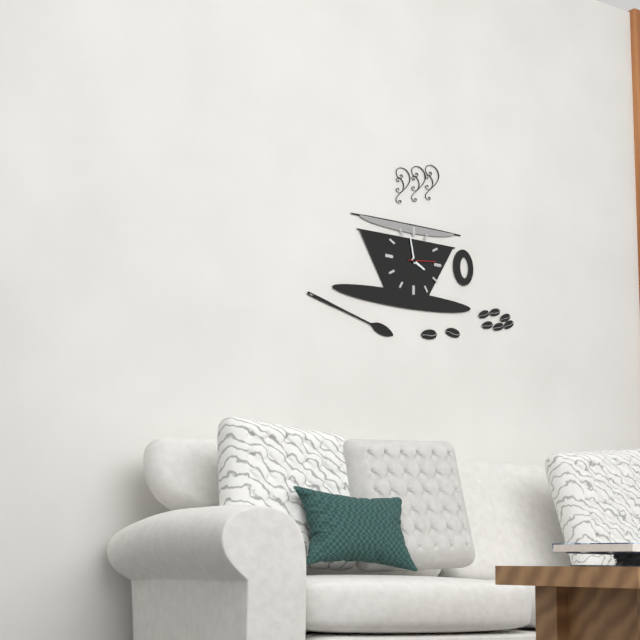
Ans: 3:58
